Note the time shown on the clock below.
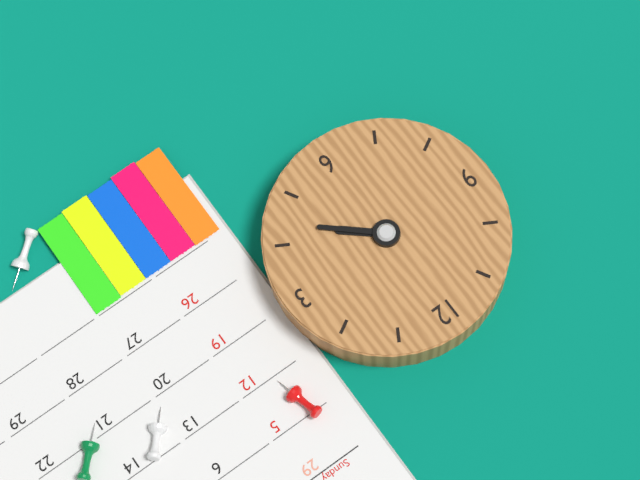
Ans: 4:22
